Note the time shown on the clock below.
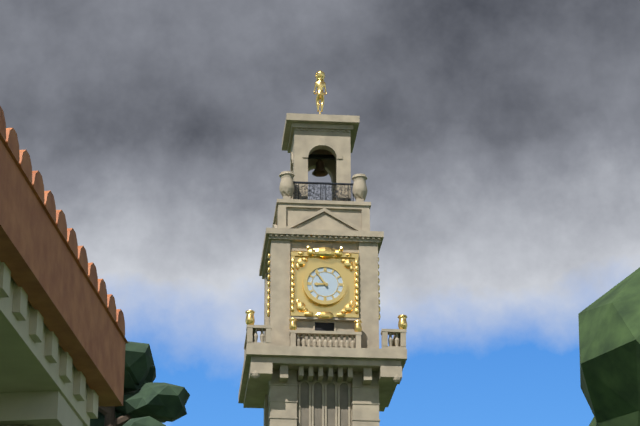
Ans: 8:54
